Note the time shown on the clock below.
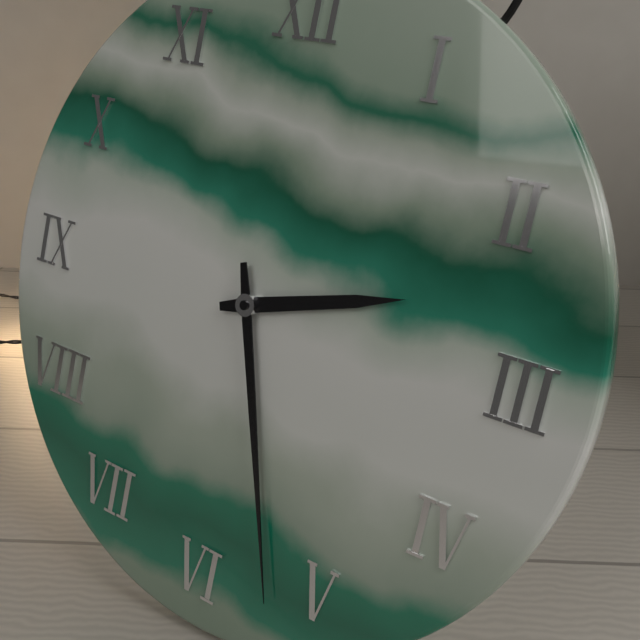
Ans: 2:27
